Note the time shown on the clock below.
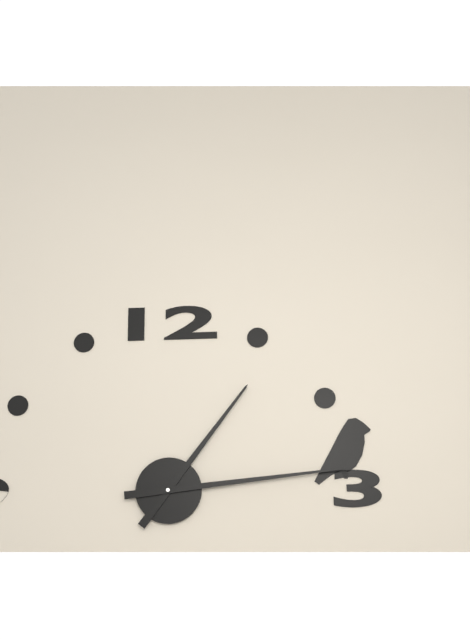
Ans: 1:14
